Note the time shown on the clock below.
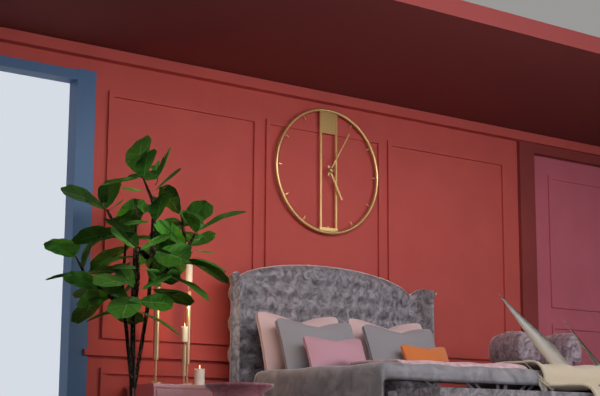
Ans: 5:05
